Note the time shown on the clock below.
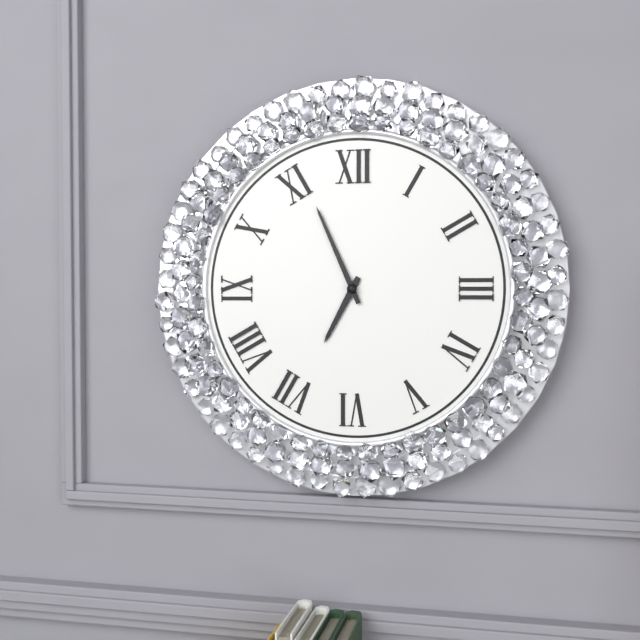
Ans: 6:56
